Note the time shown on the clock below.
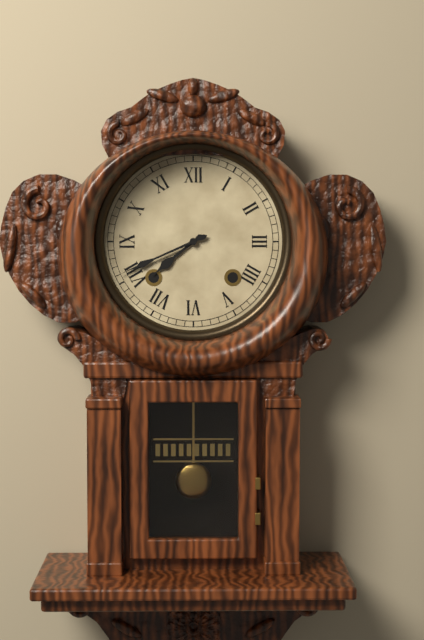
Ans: 7:41
